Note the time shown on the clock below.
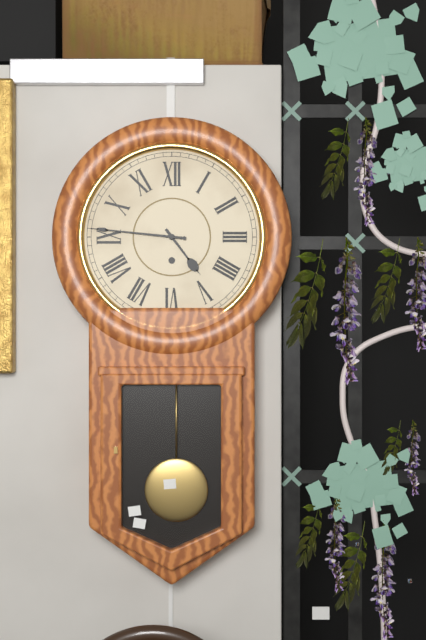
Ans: 4:46
